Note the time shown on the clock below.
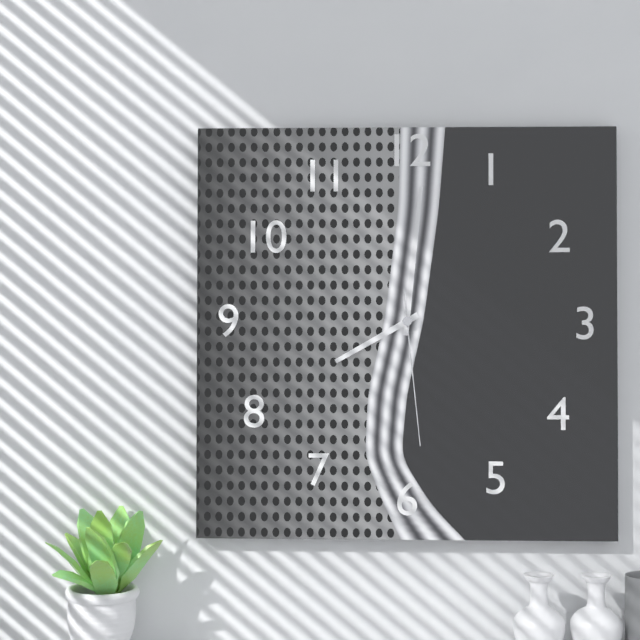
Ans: 8:01:29
